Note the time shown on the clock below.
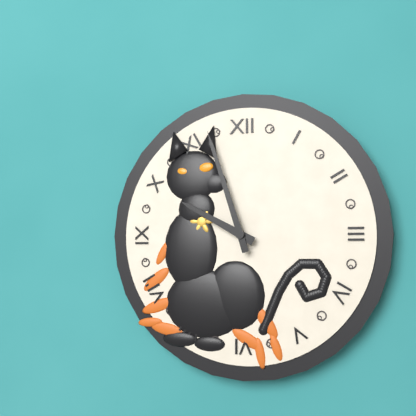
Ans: 9:57
